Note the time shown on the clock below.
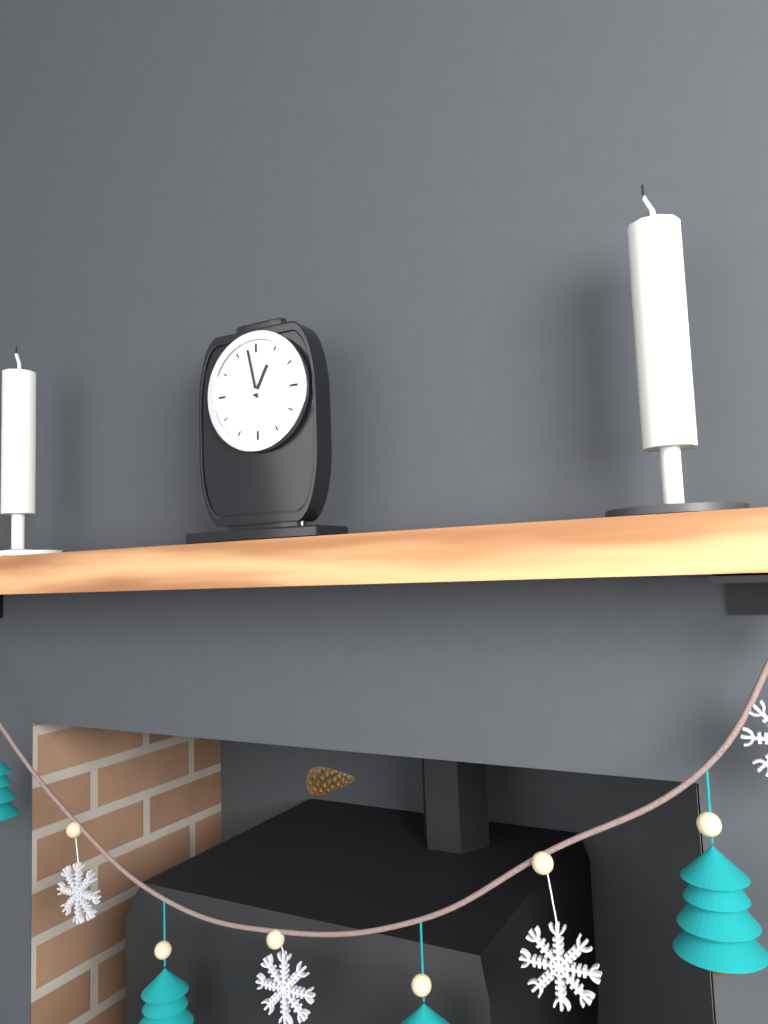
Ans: 12:58
